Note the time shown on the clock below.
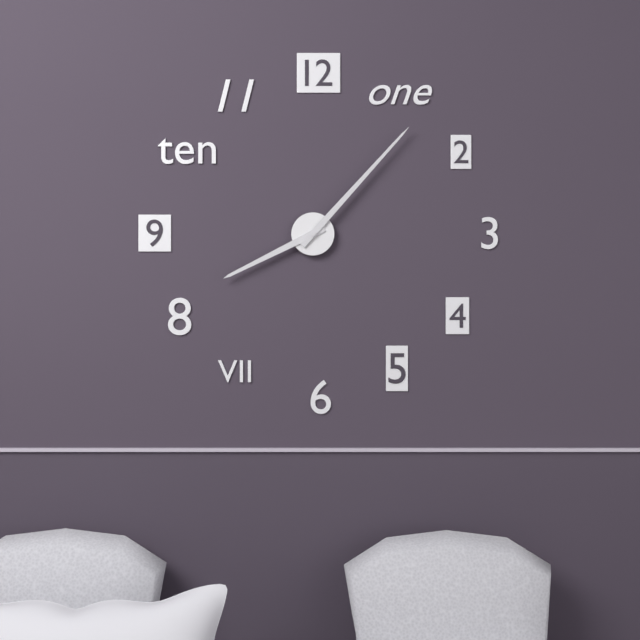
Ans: 8:07
